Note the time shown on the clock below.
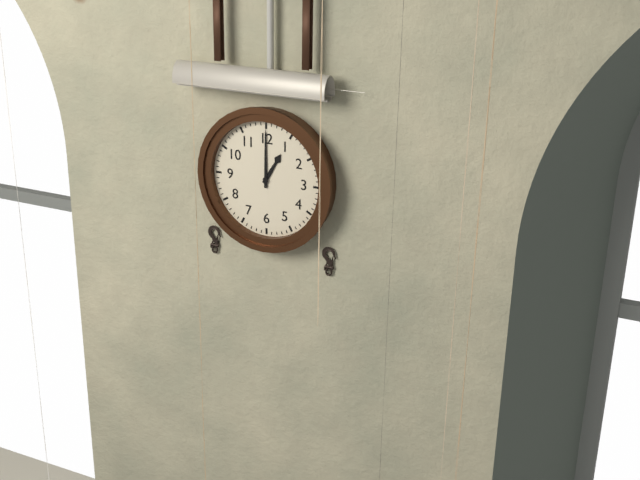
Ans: 1:00
